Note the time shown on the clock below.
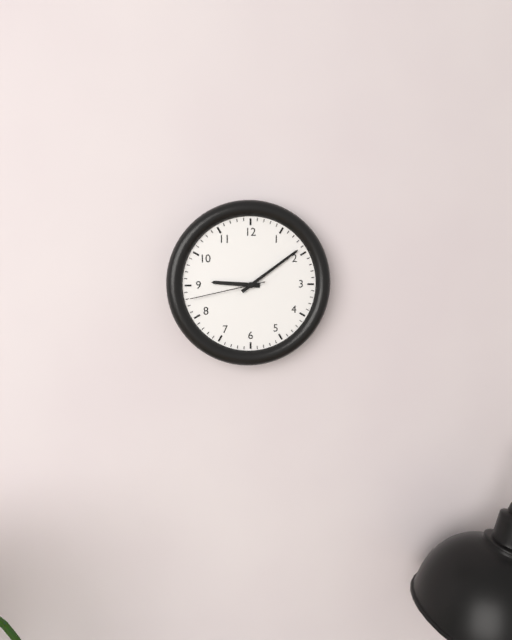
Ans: 9:09:43
